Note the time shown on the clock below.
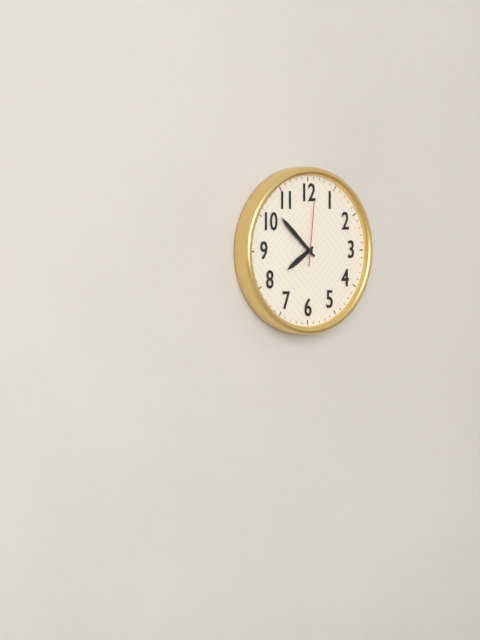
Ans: 7:52:01
